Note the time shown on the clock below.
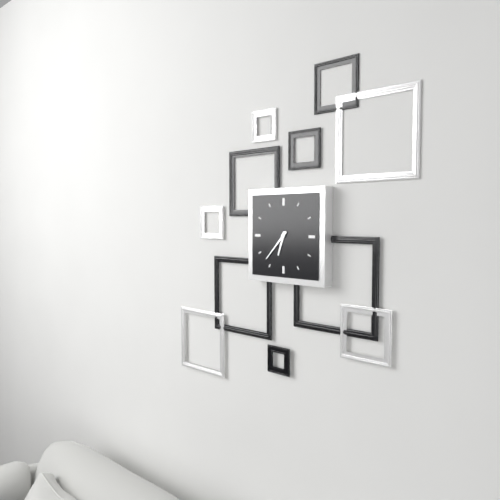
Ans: 6:37
